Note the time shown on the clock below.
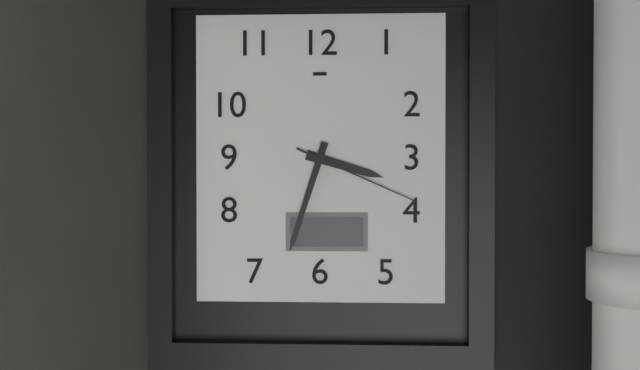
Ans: 3:33:19
